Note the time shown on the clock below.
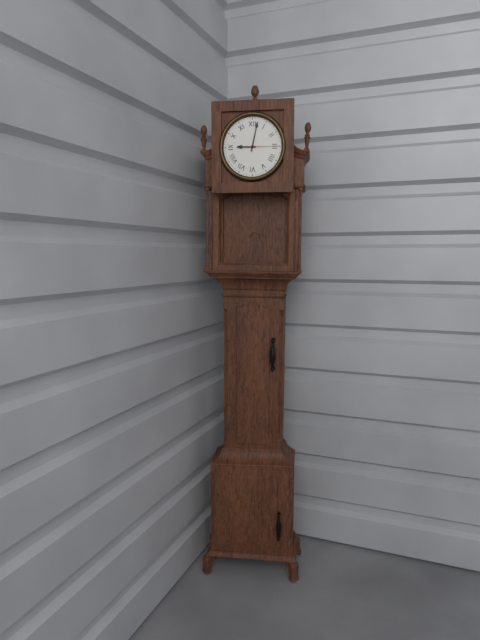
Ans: 9:02
